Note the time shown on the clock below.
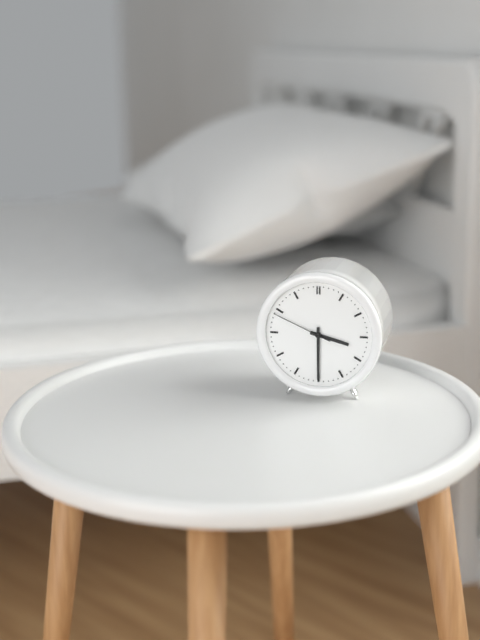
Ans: 3:30:49
